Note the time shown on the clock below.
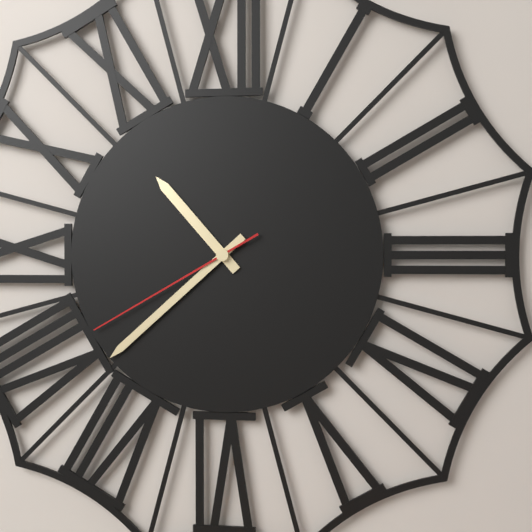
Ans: 10:38:40
